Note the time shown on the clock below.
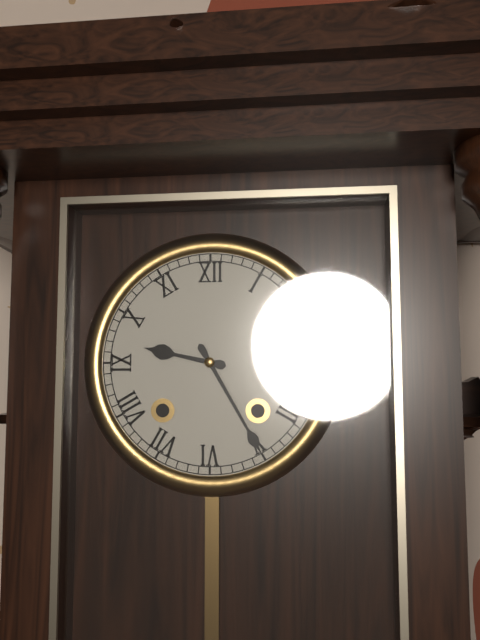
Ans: 9:25
